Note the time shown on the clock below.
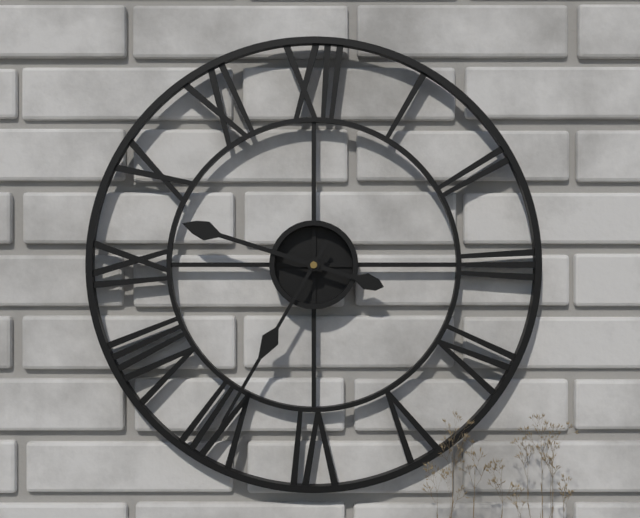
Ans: 9:35
